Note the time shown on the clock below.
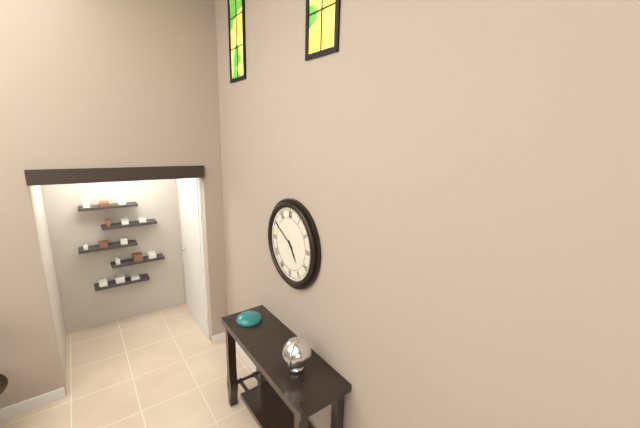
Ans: 4:50
